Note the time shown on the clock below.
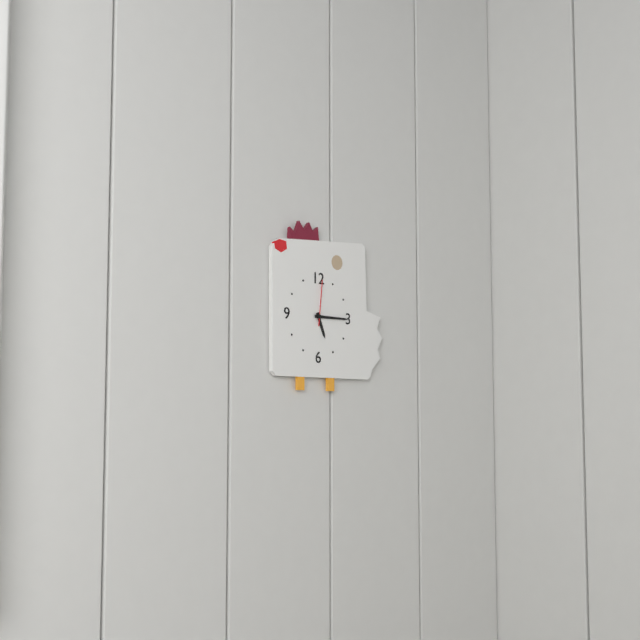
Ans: 5:15
